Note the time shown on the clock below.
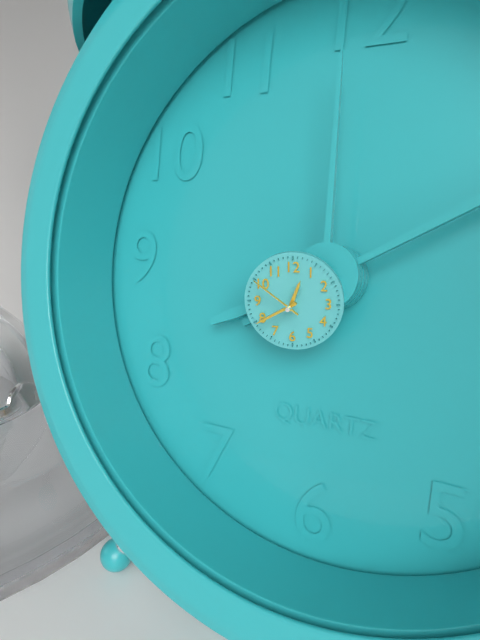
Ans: 12:40:51
